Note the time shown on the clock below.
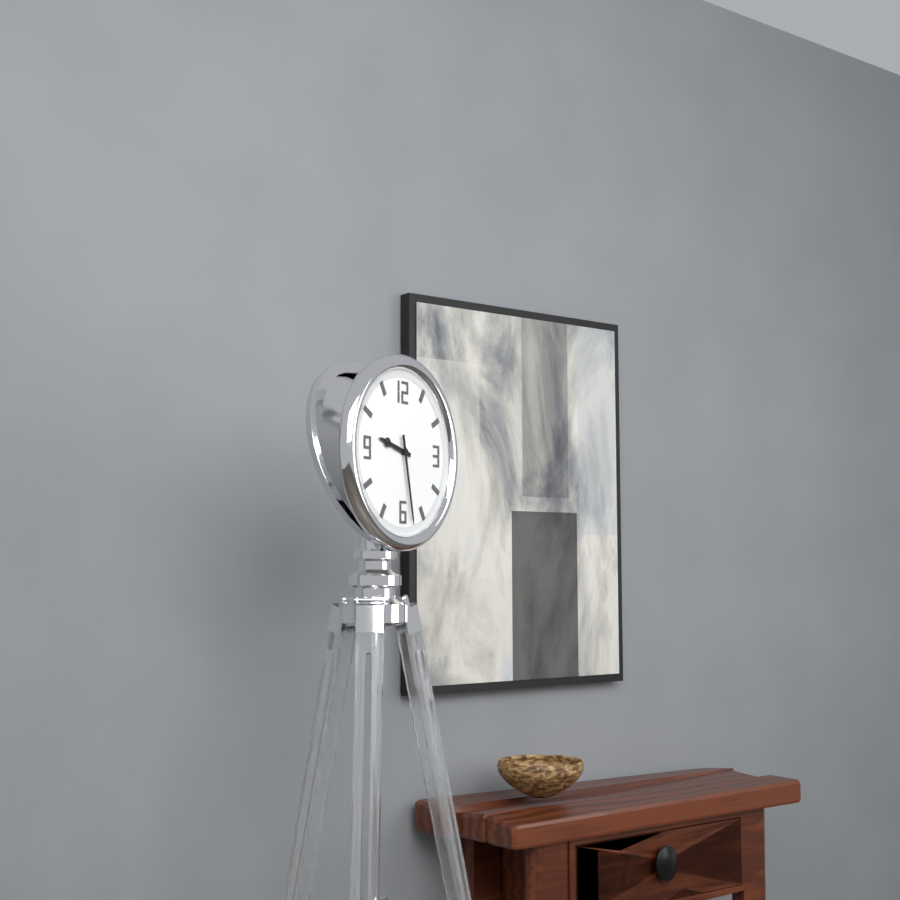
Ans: 9:28
